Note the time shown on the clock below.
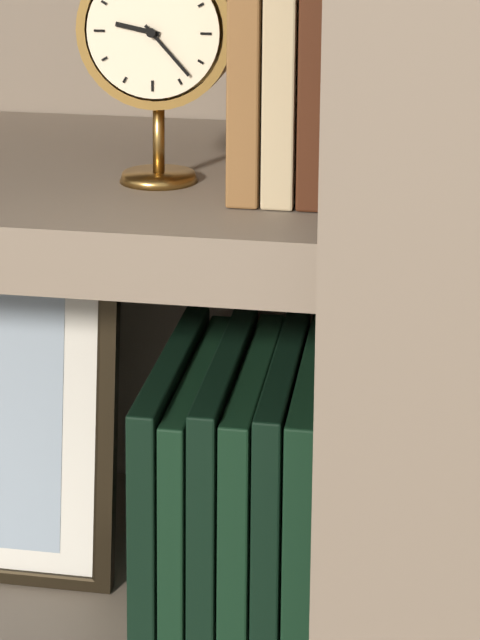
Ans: 9:23
